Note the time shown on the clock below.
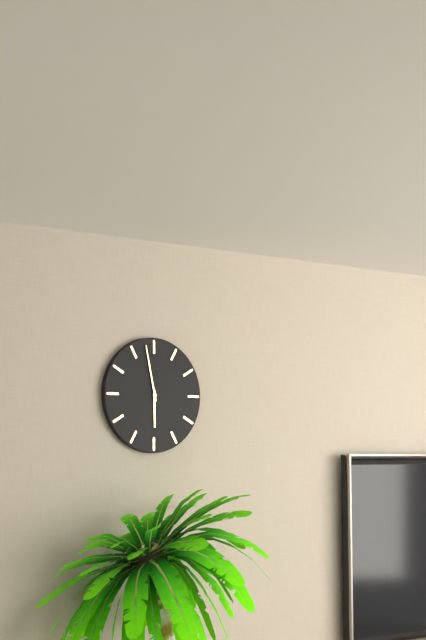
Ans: 5:58
